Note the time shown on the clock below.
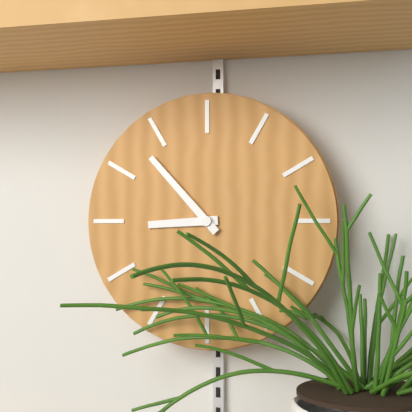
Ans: 8:53
